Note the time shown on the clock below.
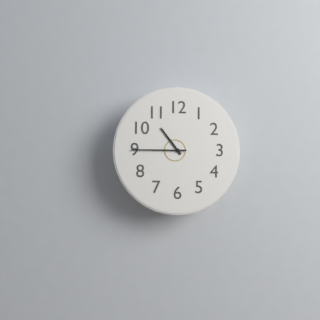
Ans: 10:45
